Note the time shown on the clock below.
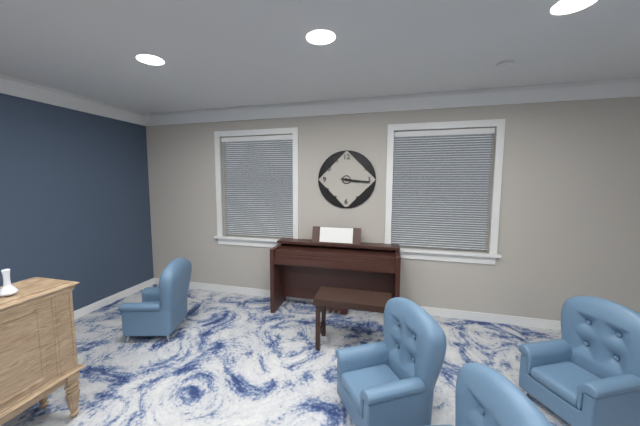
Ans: 3:16
